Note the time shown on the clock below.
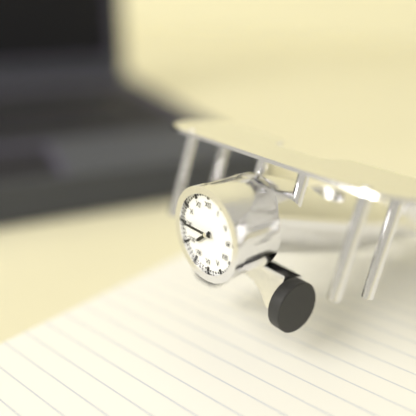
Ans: 7:45
